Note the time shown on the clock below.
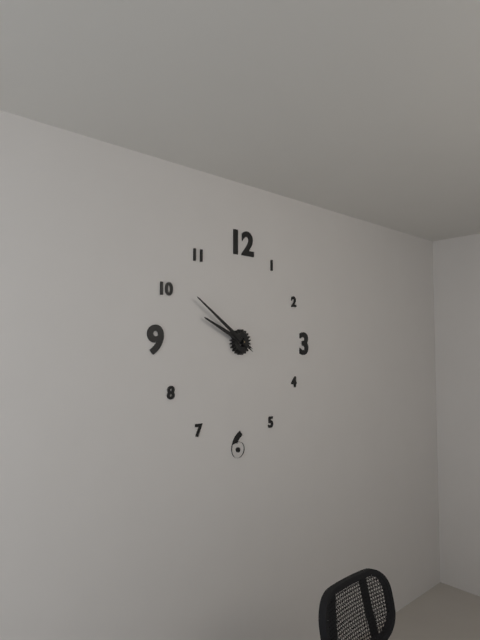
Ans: 9:51
